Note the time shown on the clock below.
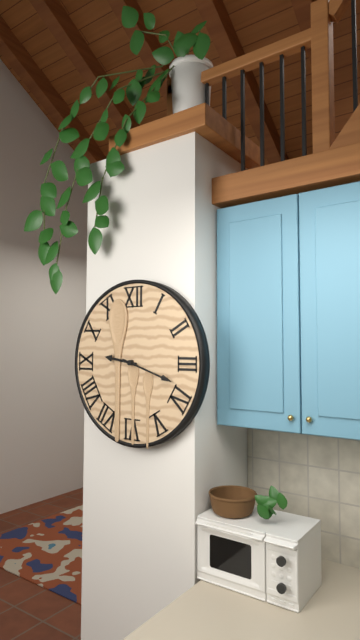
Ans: 9:18
